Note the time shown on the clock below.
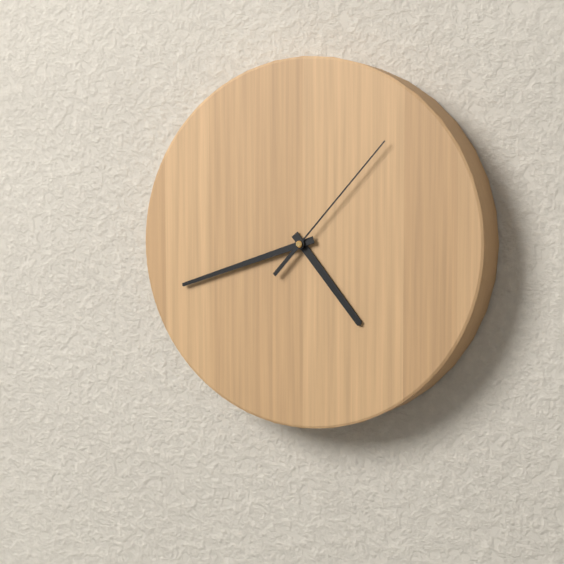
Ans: 4:42:07
